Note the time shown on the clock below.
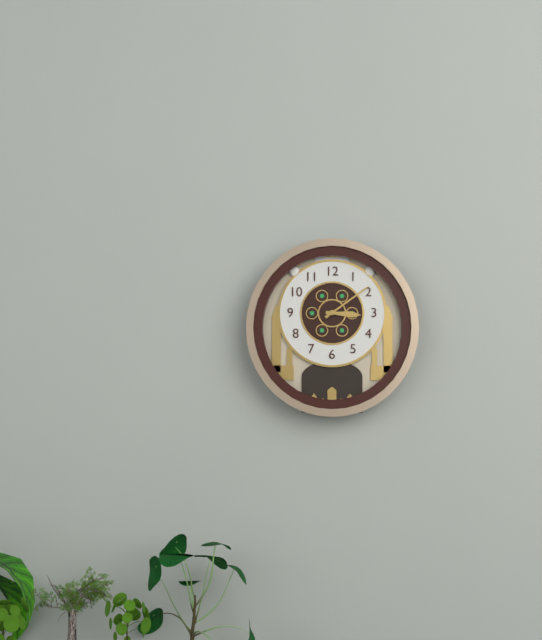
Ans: 3:09
